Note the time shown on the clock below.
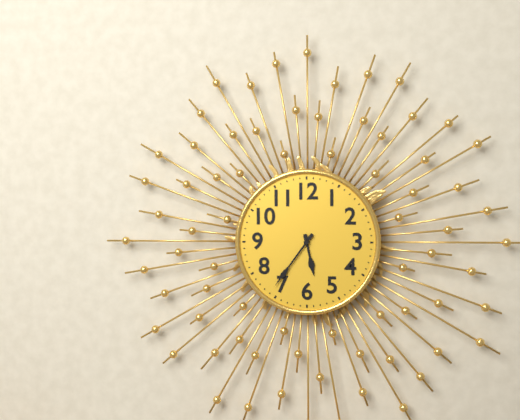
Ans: 5:36
